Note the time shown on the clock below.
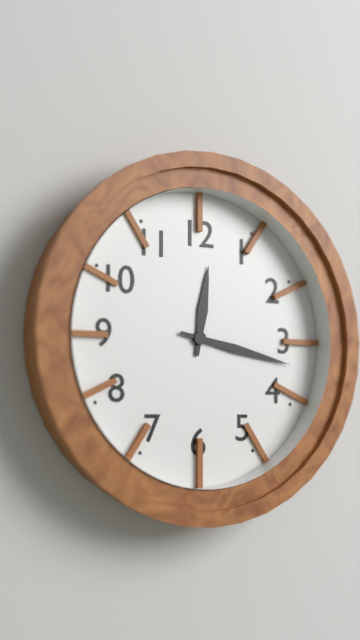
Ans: 12:17
